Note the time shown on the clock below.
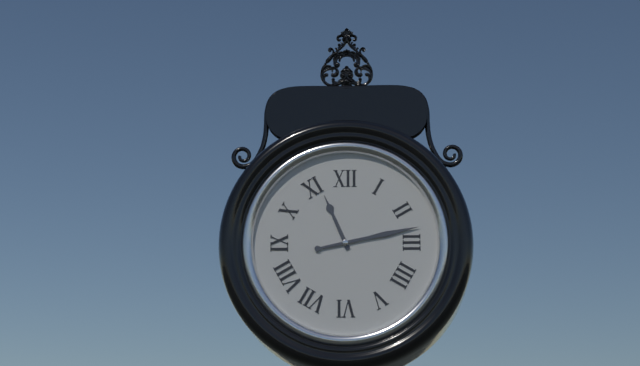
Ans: 11:13
